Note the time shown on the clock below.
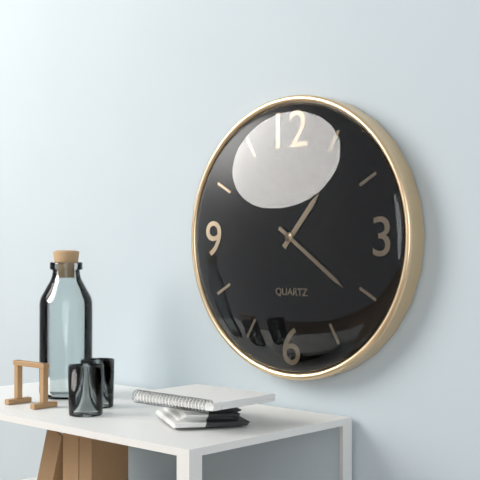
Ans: 1:21
